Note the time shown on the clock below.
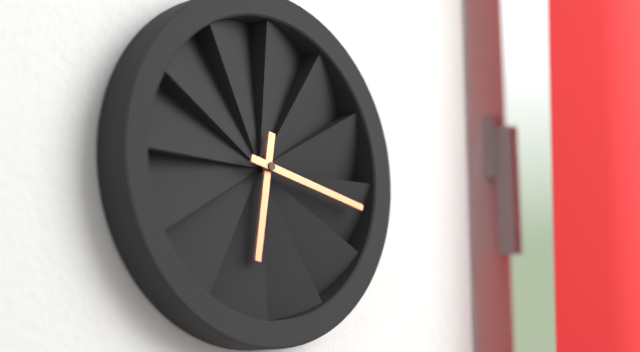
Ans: 6:17
